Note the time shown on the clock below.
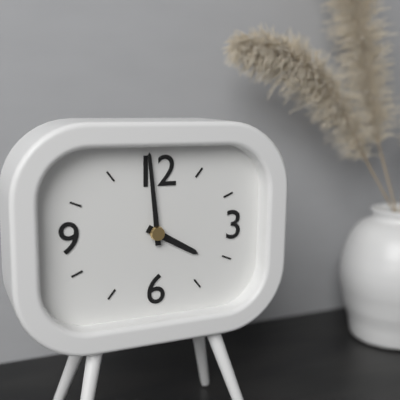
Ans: 3:59
